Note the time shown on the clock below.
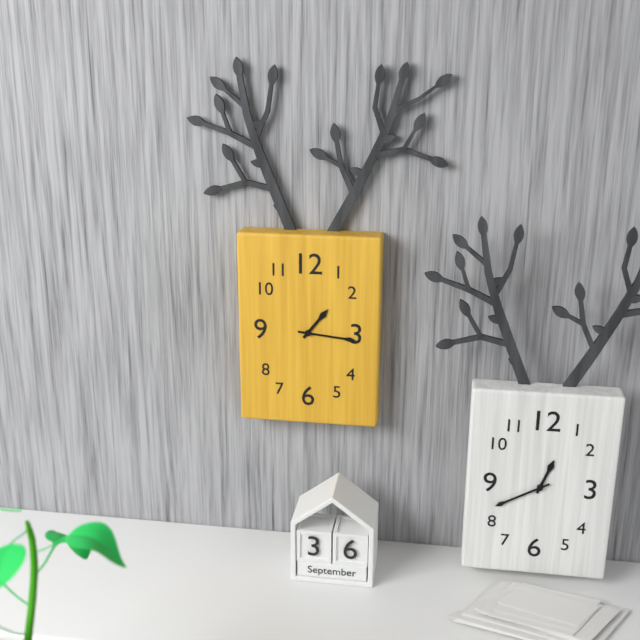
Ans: 1:16
